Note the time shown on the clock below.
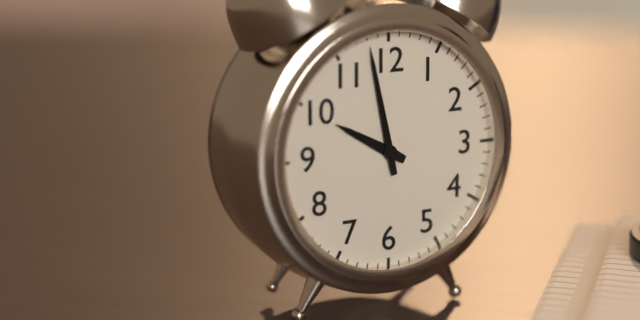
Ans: 9:58
